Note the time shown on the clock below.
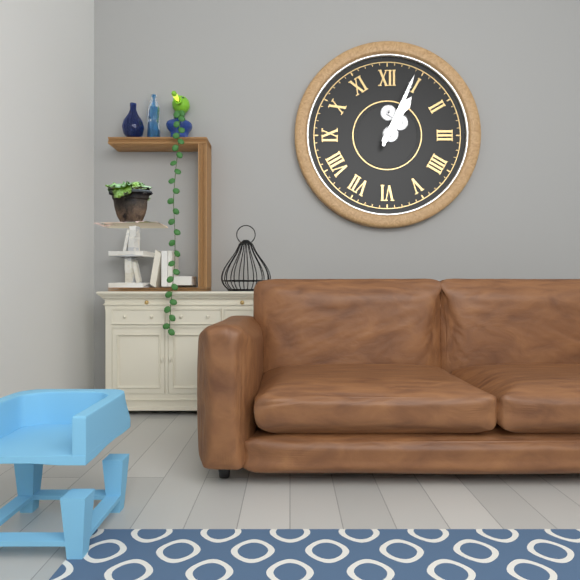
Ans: 1:04
